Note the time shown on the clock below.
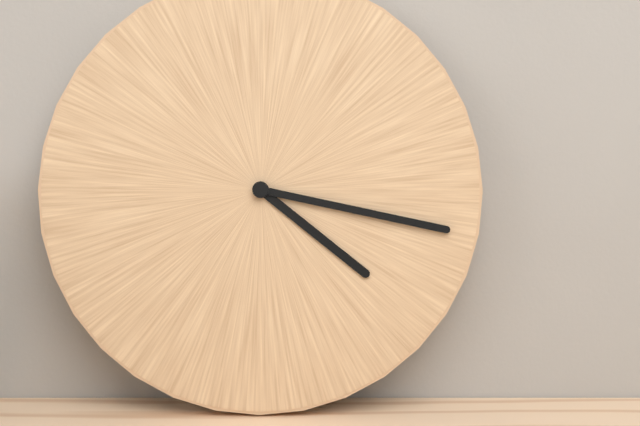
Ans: 4:17
